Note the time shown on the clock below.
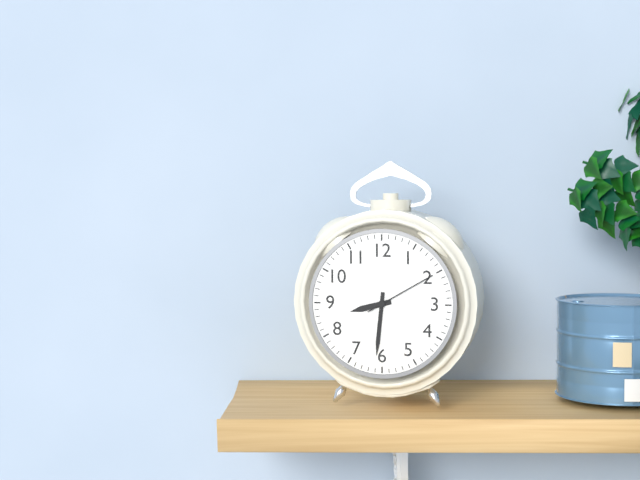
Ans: 8:31:10
